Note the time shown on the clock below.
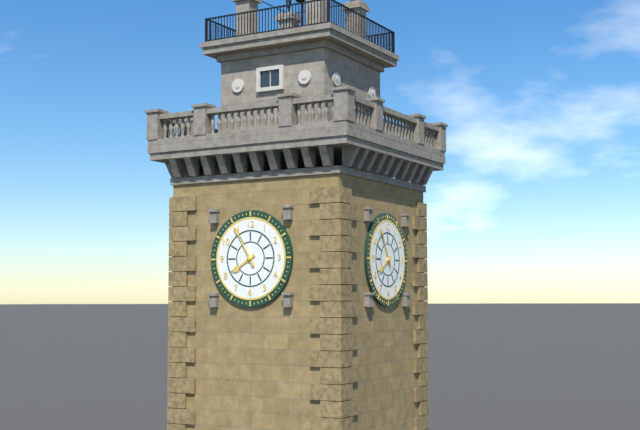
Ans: 7:55
